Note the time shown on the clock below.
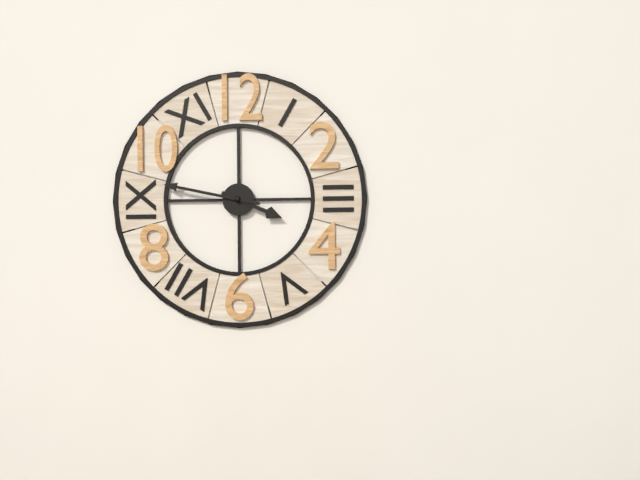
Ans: 3:47
